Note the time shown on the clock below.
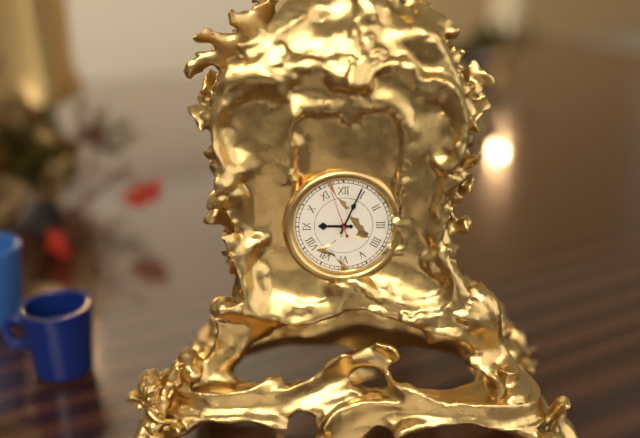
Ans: 9:04:57
